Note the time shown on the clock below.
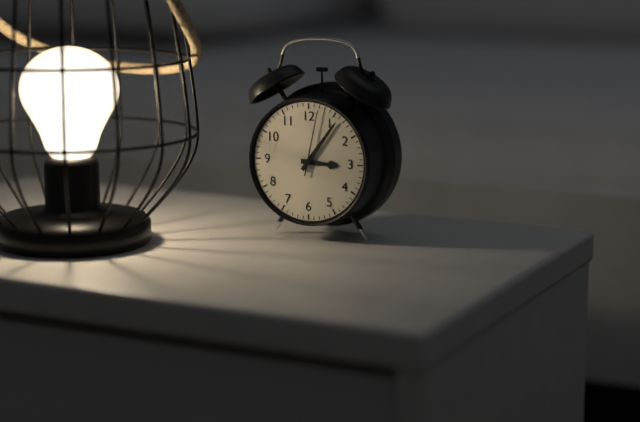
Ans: 3:06:02
